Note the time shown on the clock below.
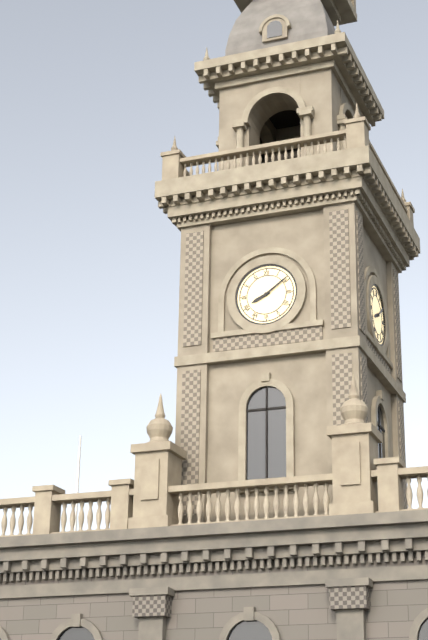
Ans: 8:09
